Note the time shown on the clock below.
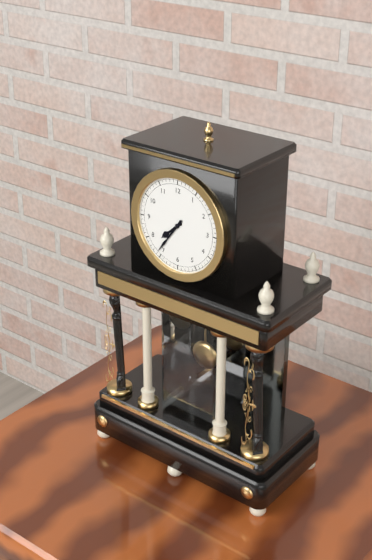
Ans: 7:36
